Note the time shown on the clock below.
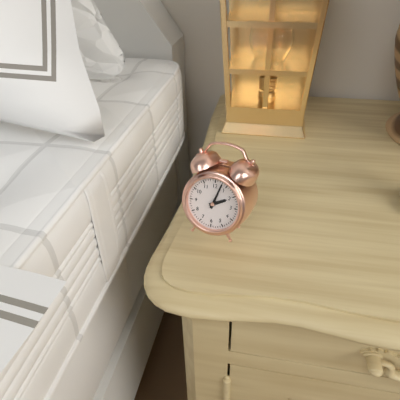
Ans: 2:03
